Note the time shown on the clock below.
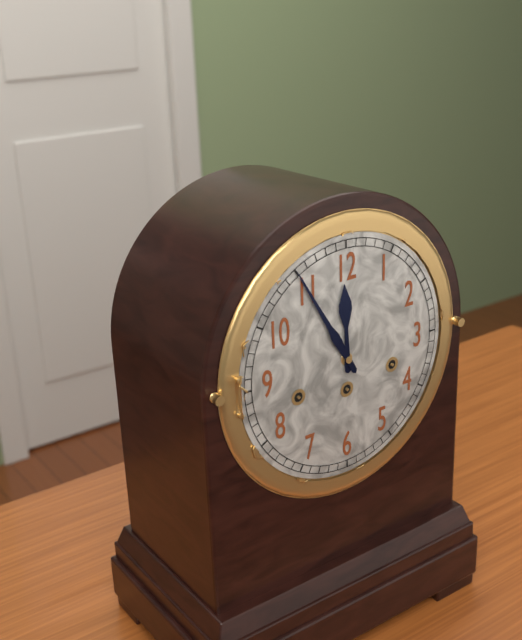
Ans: 11:55
